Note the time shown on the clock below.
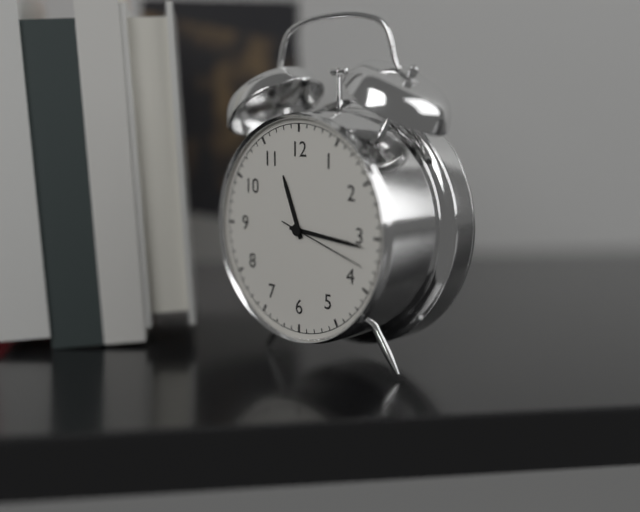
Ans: 11:16:18
